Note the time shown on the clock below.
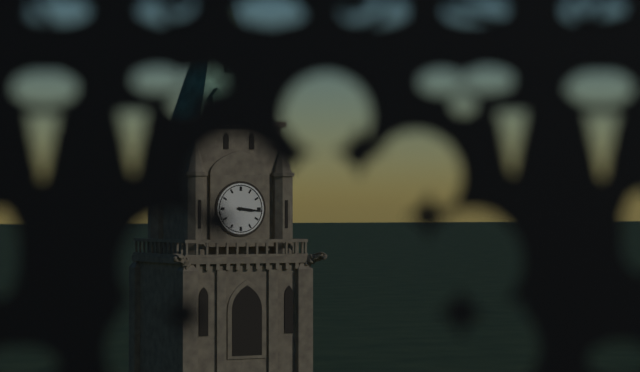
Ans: 3:16
